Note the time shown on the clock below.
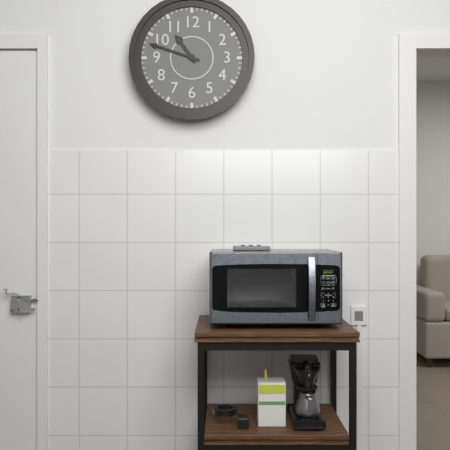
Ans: 10:48
